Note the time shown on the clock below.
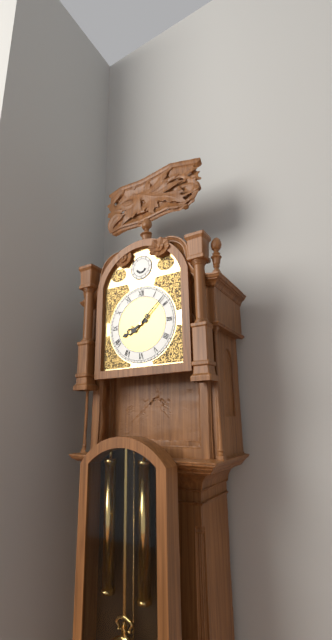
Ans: 8:08
